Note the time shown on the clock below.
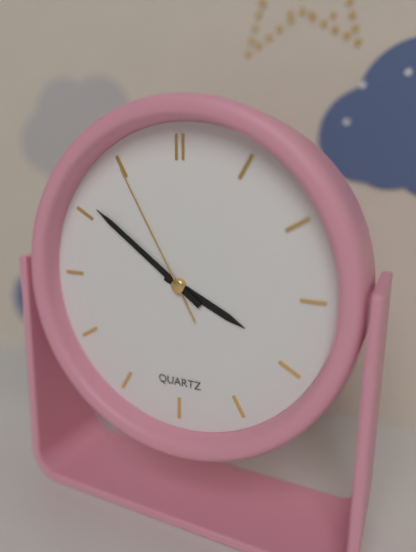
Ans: 3:51:55
